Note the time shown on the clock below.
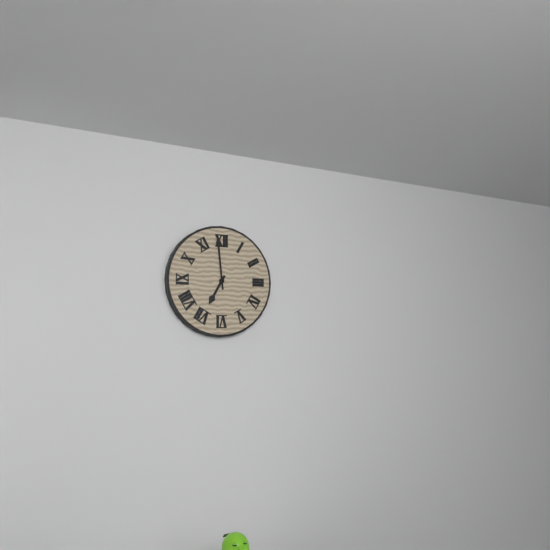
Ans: 6:59
